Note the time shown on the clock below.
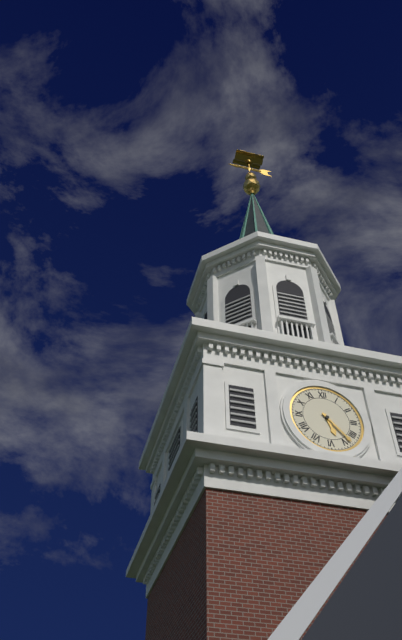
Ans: 5:23
